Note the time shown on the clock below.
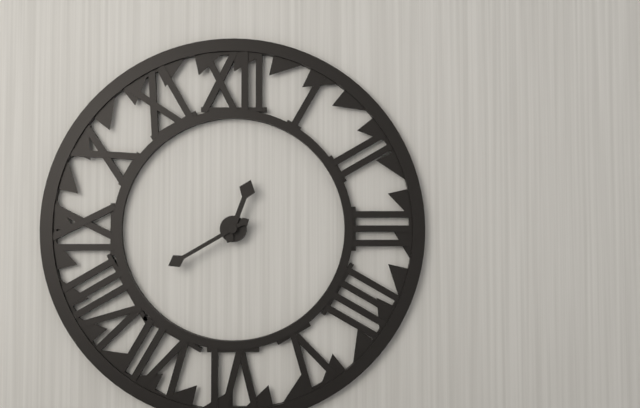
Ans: 12:40
